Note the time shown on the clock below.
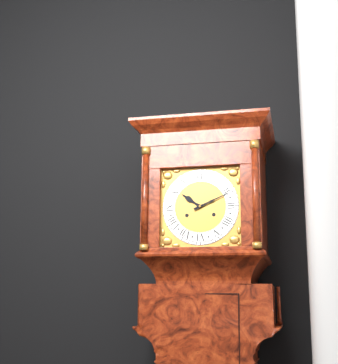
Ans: 10:11
